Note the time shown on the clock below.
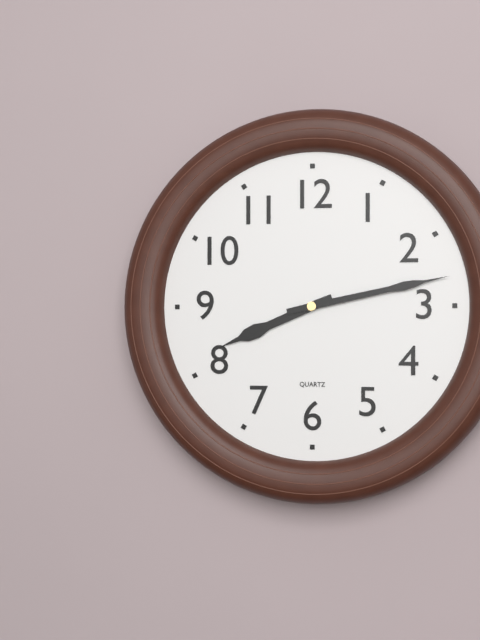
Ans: 8:13
